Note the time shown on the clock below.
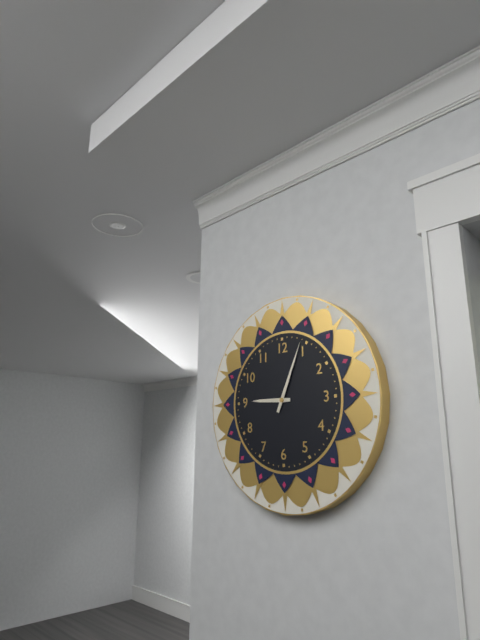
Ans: 9:04
